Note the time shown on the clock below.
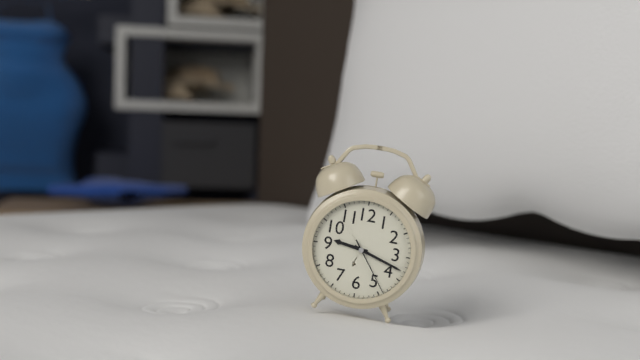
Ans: 9:18:24
